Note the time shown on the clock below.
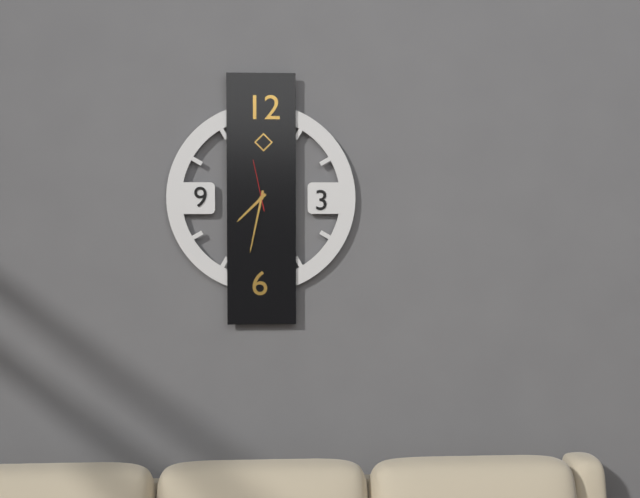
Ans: 7:32
